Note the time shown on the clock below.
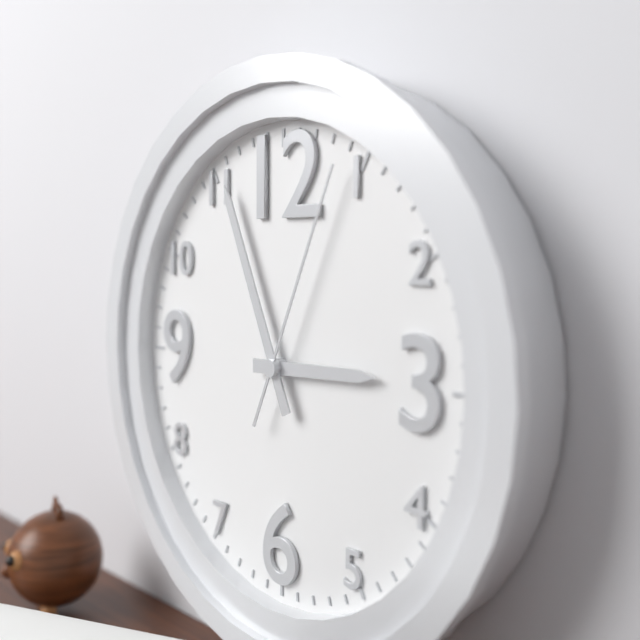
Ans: 2:56:04
